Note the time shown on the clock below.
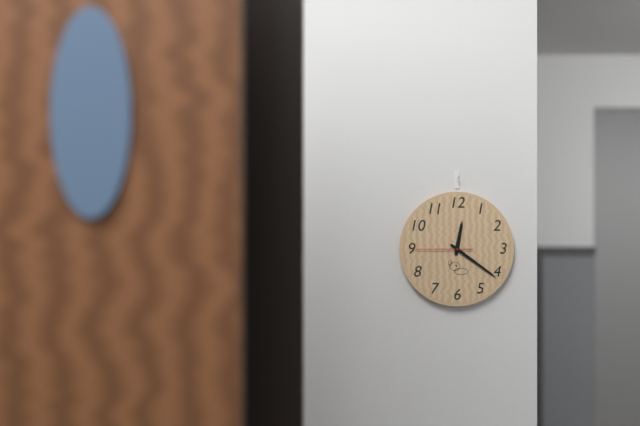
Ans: 12:21:45
